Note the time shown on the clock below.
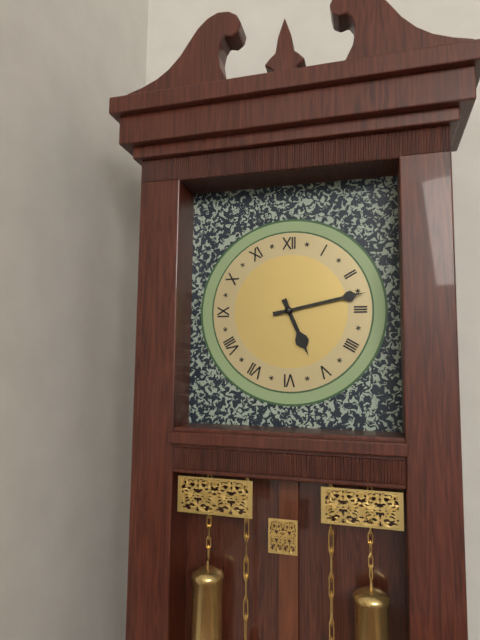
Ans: 5:13
